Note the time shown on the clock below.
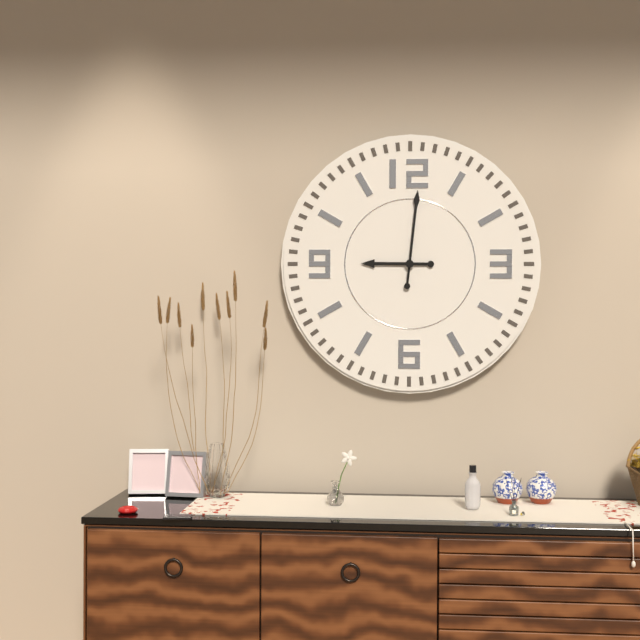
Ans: 9:01
